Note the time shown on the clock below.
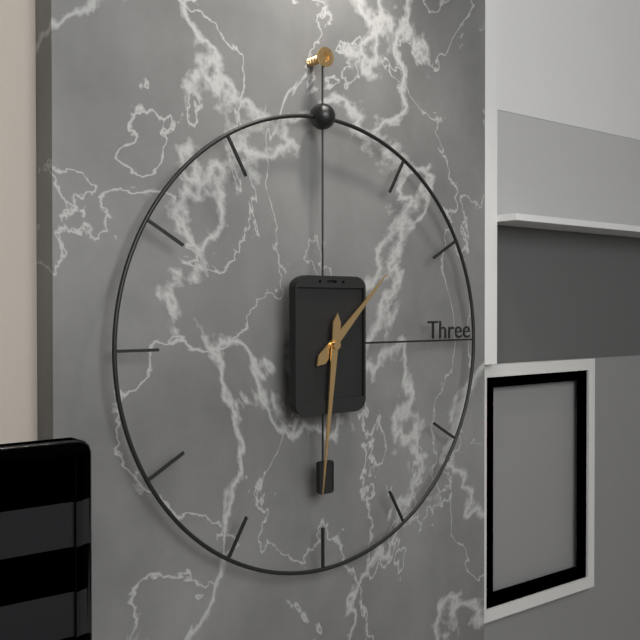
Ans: 1:31
